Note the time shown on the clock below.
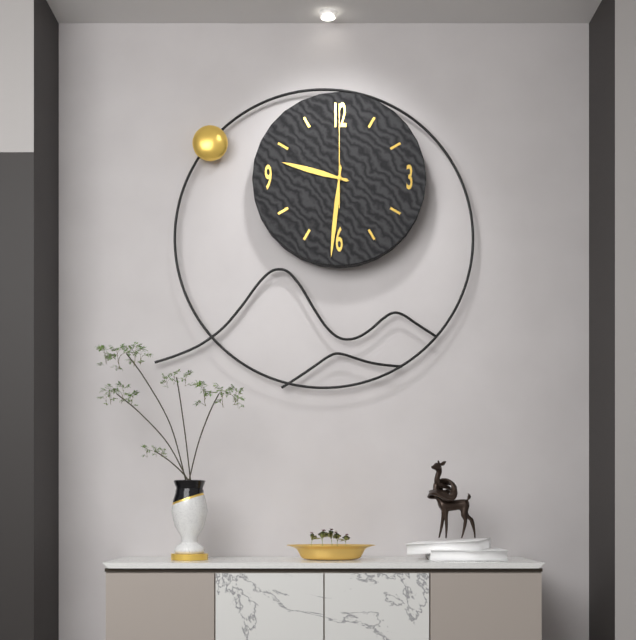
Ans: 9:31:00
